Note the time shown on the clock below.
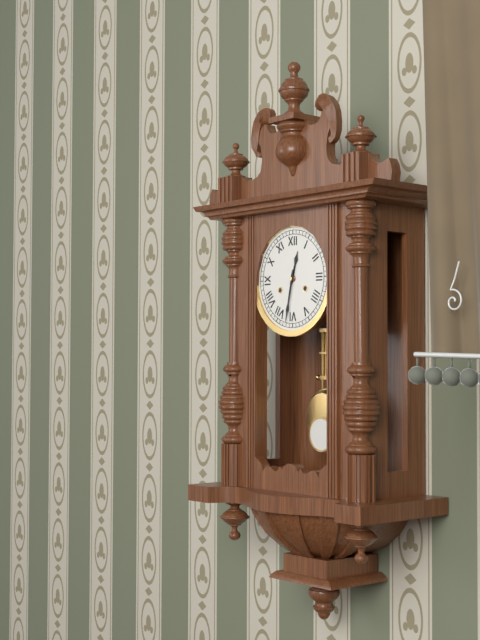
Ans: 12:32
